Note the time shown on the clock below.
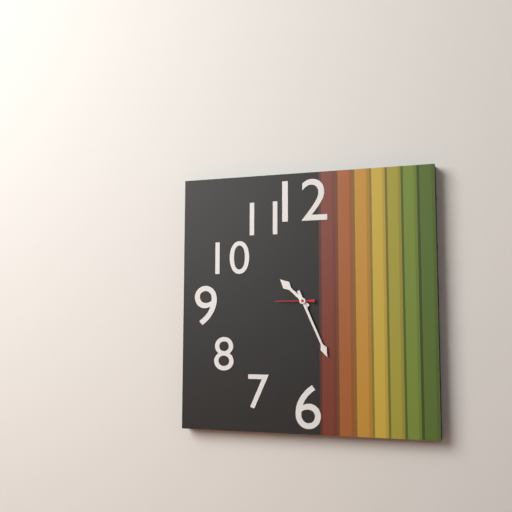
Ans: 10:26
